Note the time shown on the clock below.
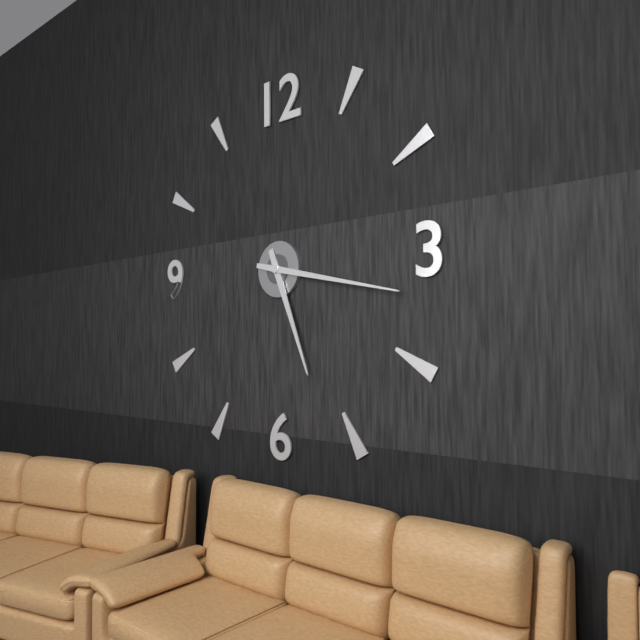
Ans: 5:17
